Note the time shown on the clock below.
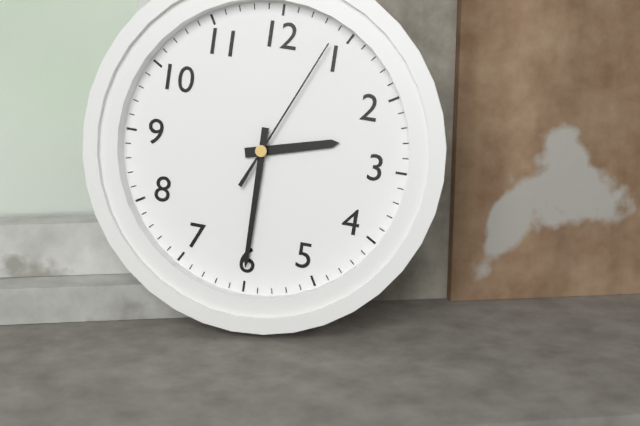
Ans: 2:30:04
